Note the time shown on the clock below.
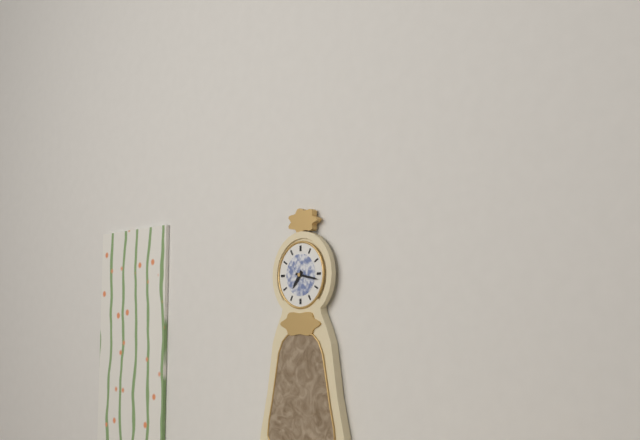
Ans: 7:17
